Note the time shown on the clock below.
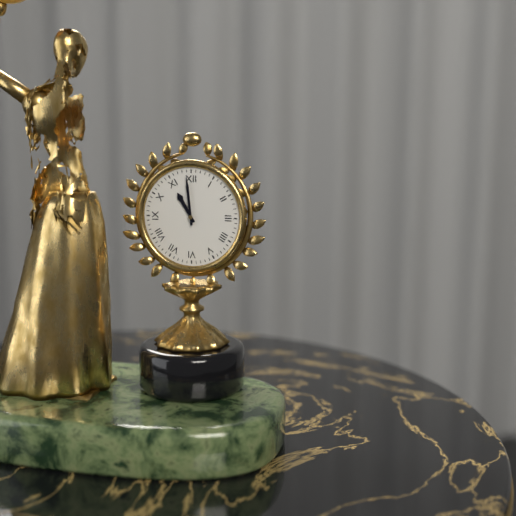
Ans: 10:59
